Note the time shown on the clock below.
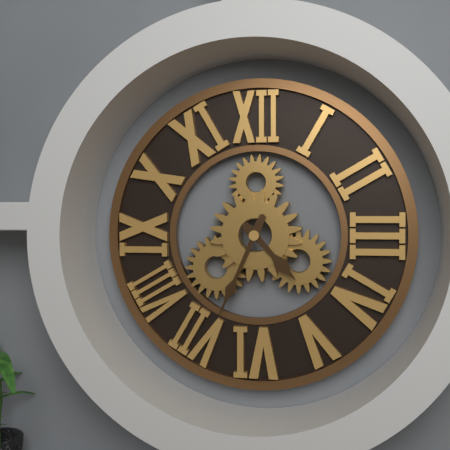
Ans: 4:34
